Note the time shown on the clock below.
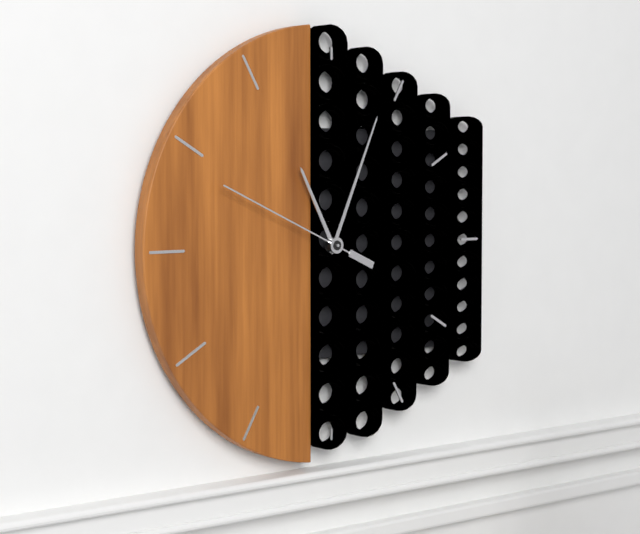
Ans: 11:04:49
